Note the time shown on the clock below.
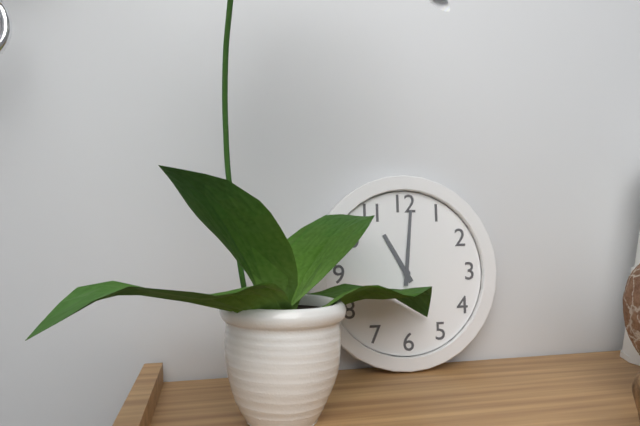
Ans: 11:01
